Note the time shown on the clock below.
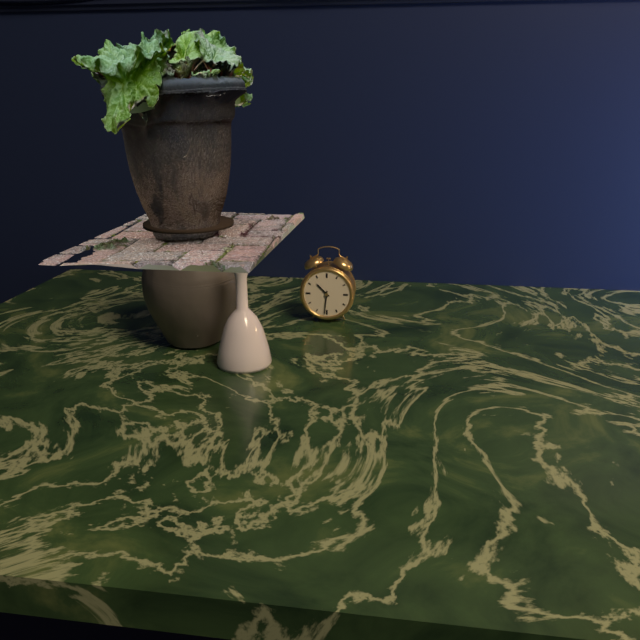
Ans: 10:31
